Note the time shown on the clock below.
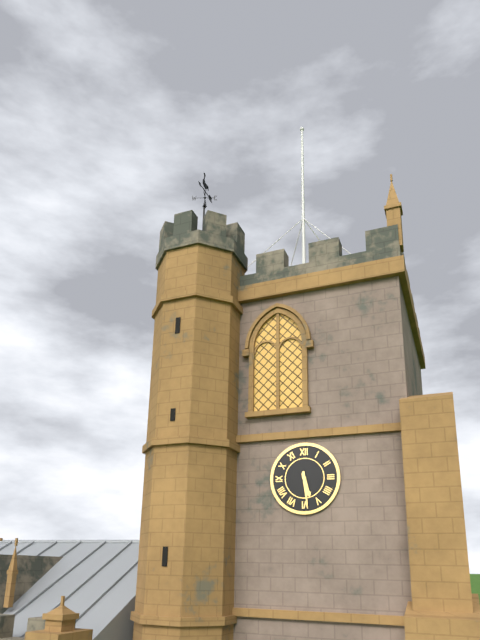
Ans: 5:29
